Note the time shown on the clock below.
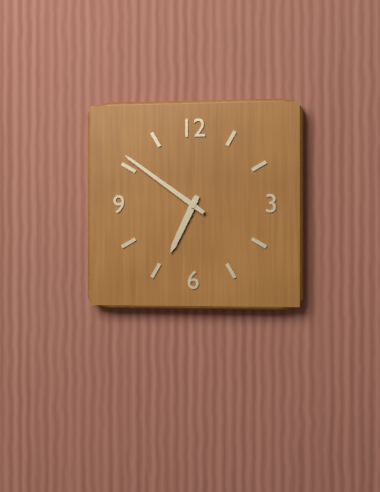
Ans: 6:51
